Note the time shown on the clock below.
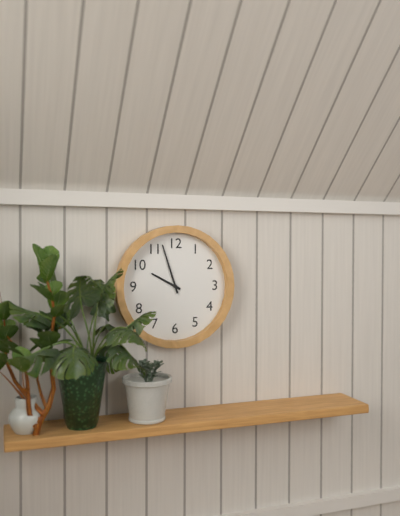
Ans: 9:57
